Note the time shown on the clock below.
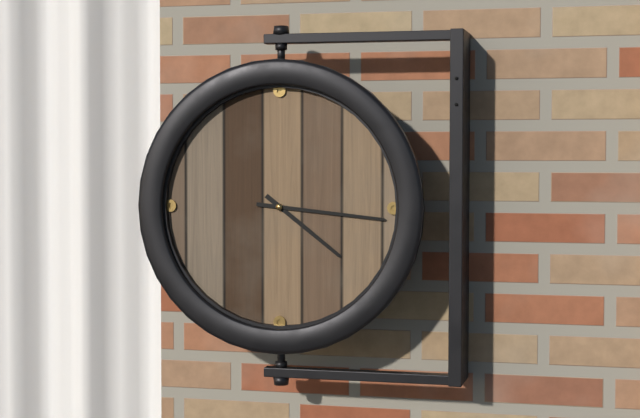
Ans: 4:16
